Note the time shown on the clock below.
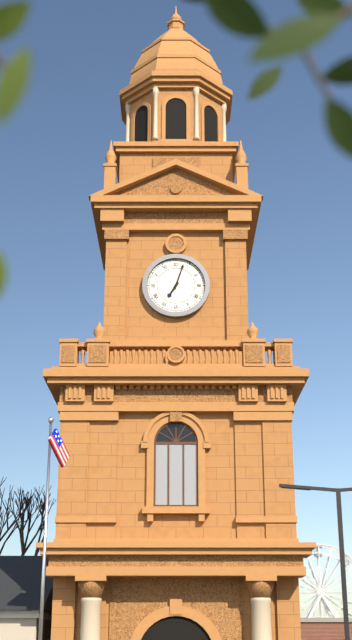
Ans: 7:03
